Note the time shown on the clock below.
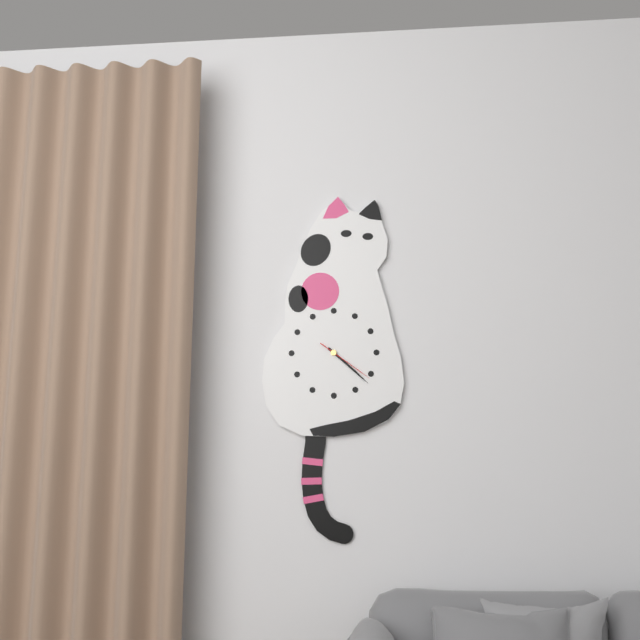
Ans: 4:22:21
